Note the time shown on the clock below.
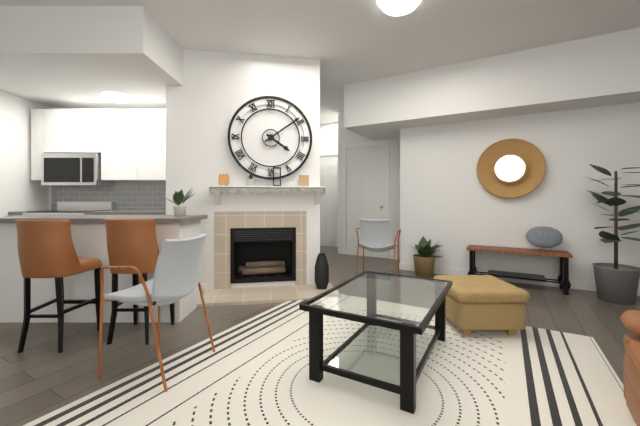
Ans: 4:09
